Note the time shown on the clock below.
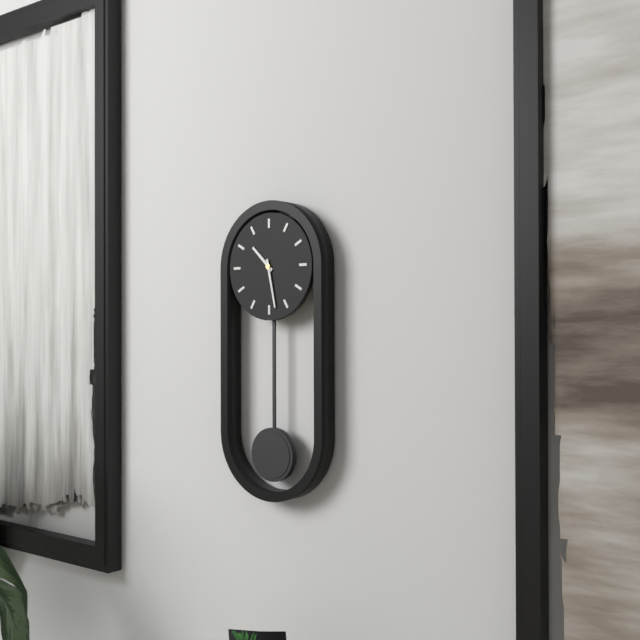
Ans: 10:28
